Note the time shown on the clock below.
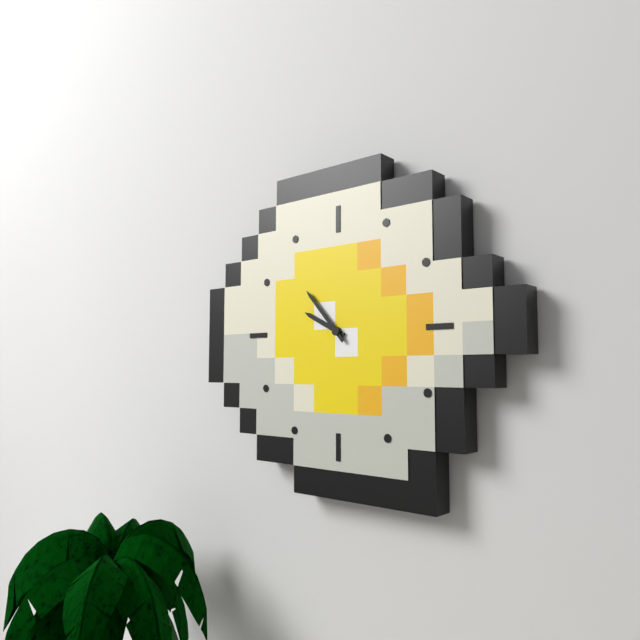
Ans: 9:53
